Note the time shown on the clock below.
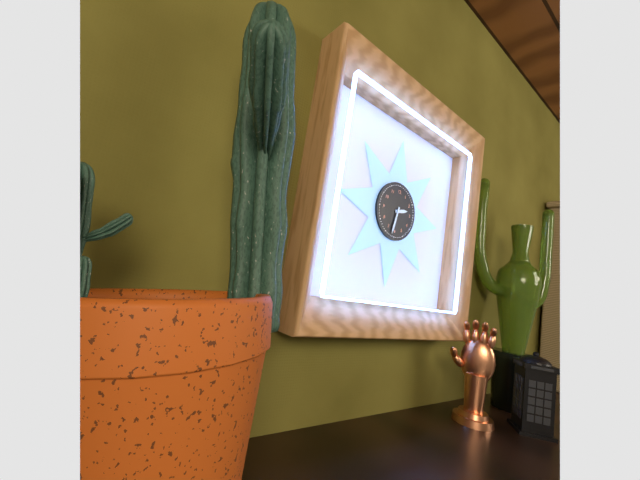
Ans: 2:32
